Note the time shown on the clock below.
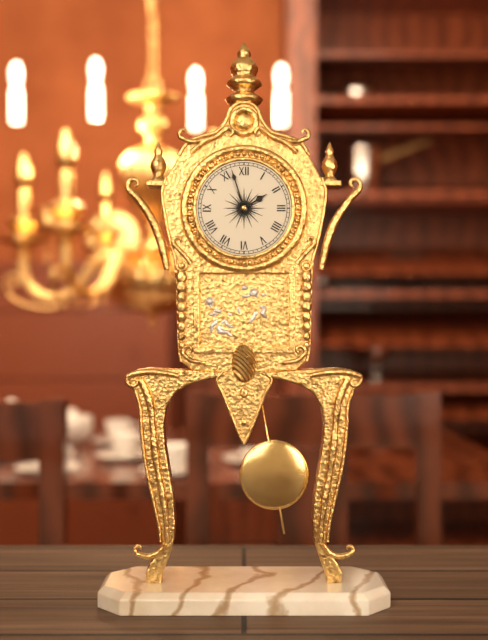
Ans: 1:57
